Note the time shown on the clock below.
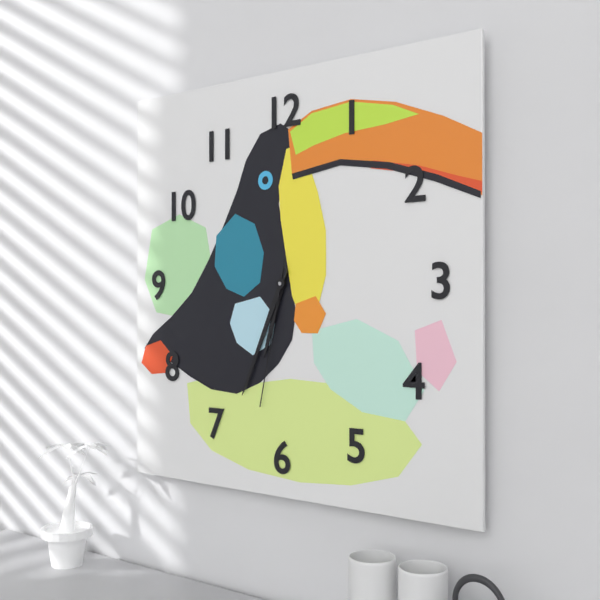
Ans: 6:34:32
